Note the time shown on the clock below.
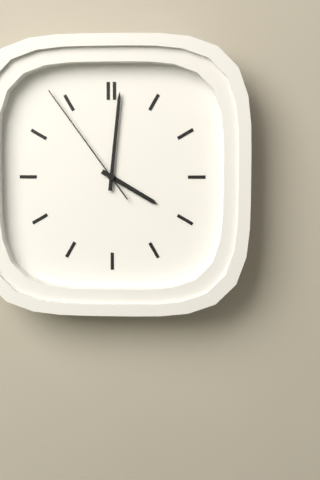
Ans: 4:01:54
